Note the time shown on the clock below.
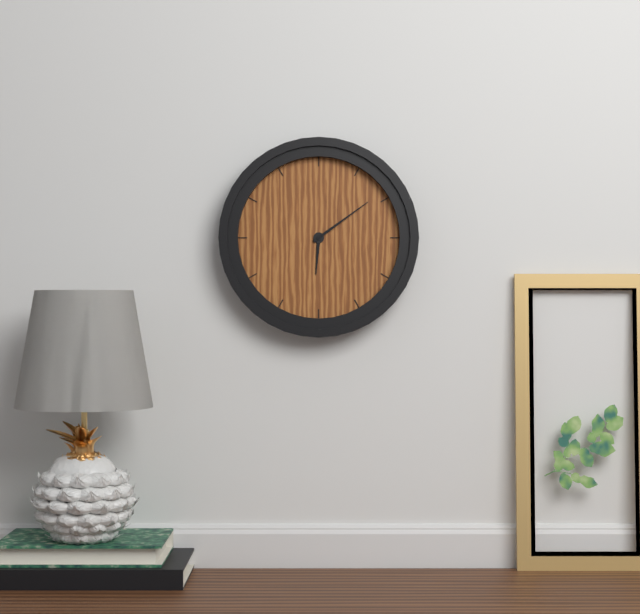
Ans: 6:09
